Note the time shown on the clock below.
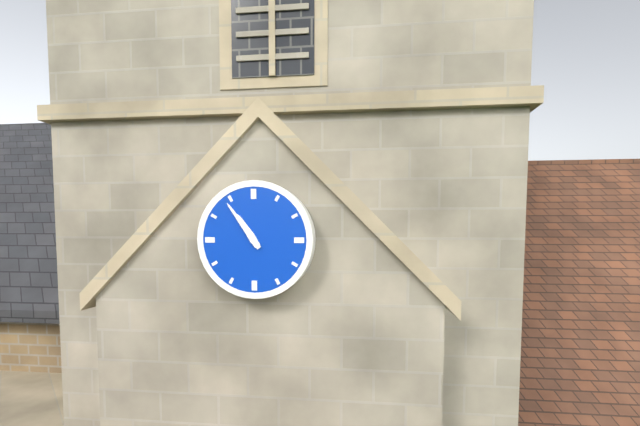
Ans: 10:54
